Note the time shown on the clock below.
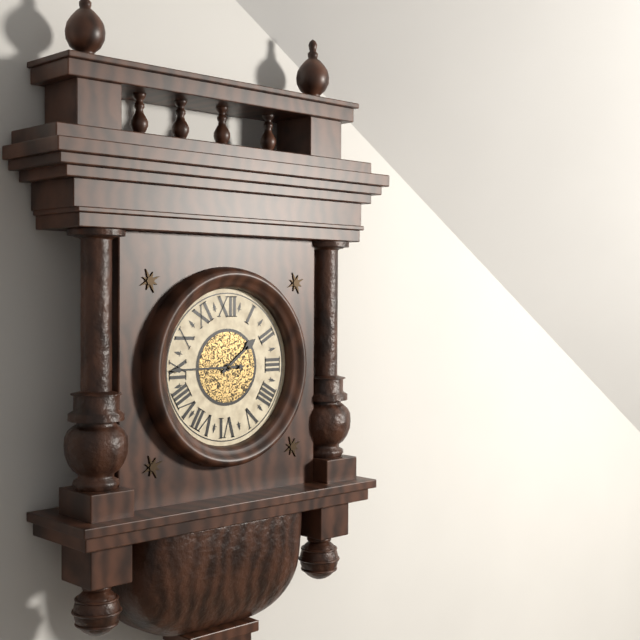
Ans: 1:45
